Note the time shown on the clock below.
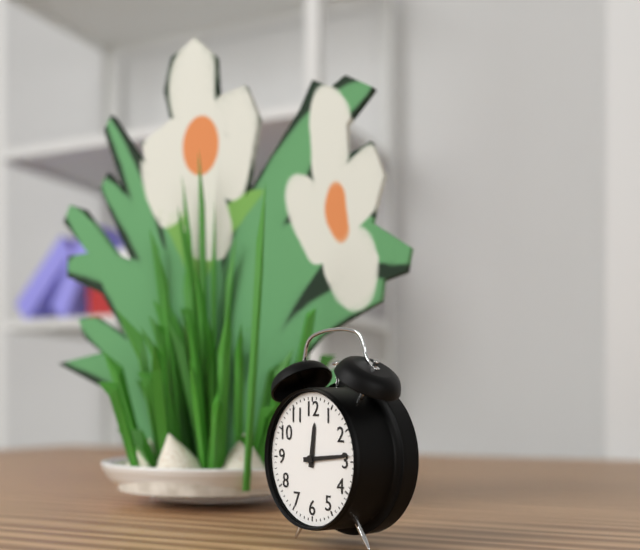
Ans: 12:14
